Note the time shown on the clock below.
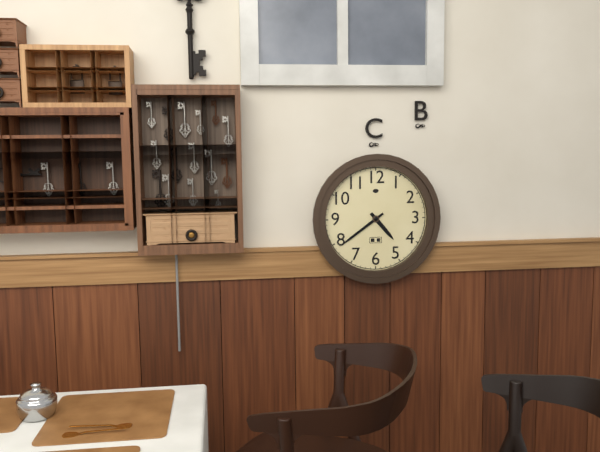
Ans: 4:39
